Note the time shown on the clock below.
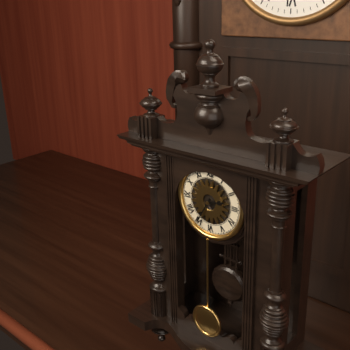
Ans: 2:35
